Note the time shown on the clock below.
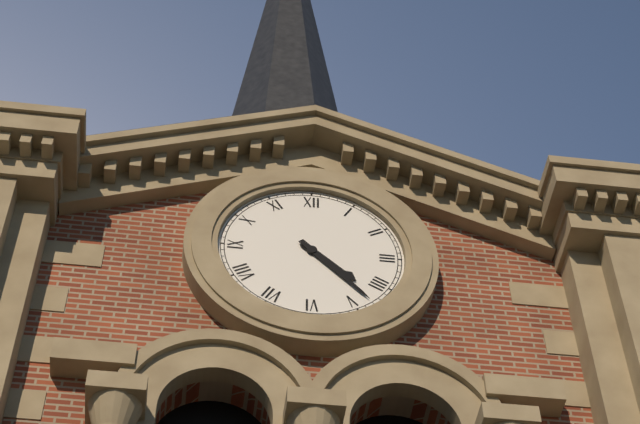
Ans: 4:23
